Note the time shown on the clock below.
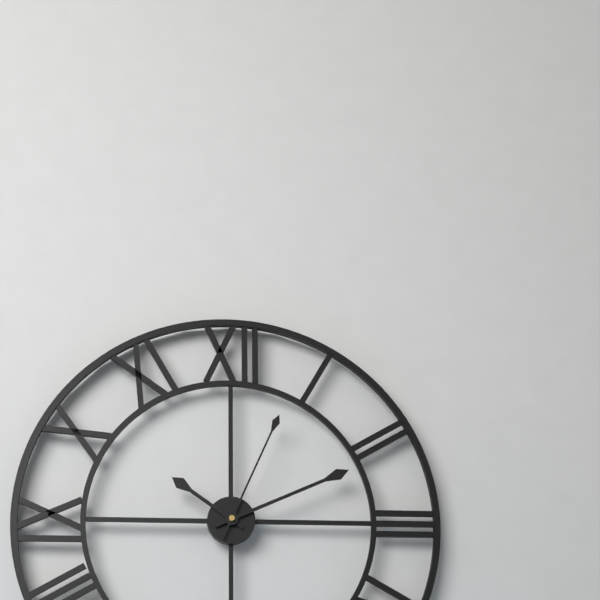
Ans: 10:11:04
